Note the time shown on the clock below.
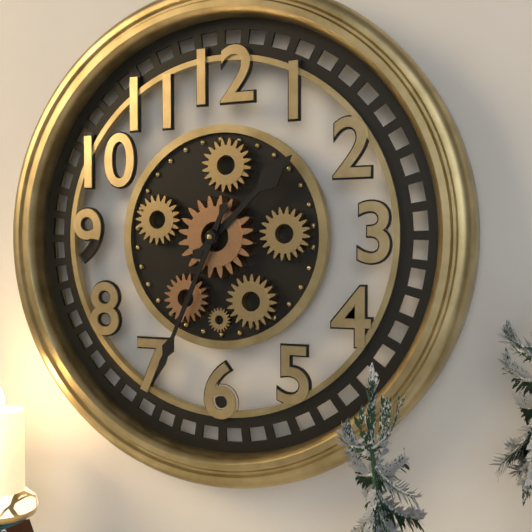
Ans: 1:34
